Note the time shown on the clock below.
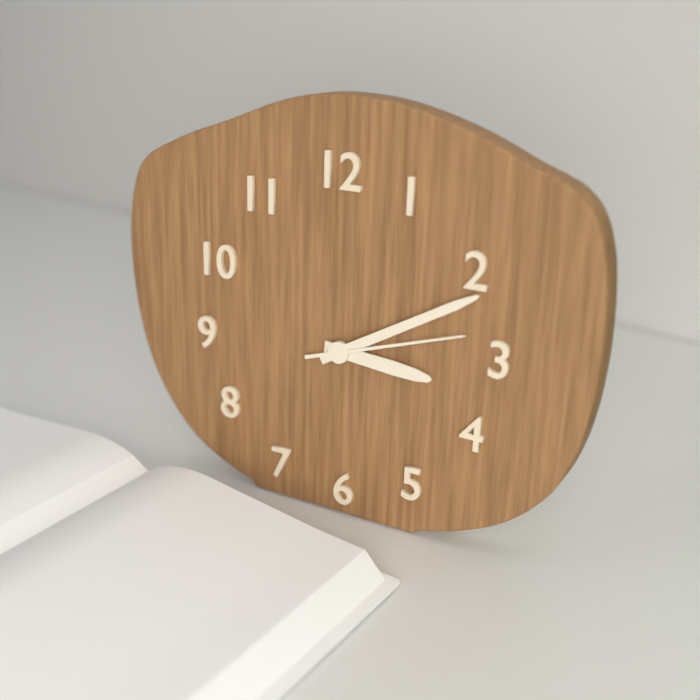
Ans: 3:10:12
